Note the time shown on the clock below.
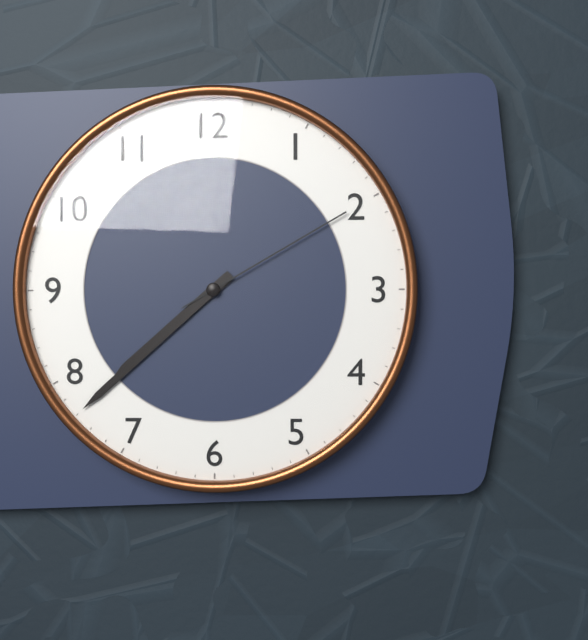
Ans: 7:38:10
